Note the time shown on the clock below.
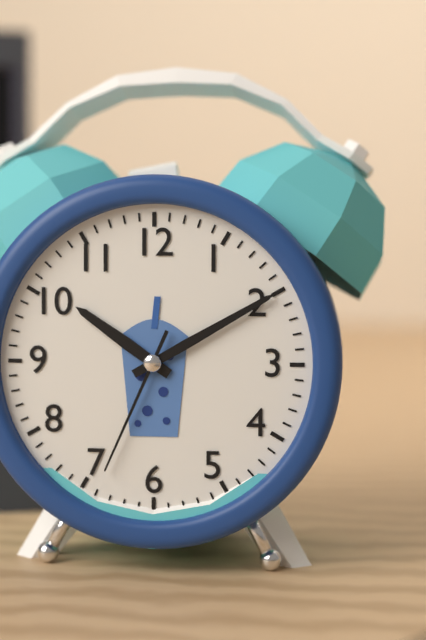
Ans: 10:10:34
